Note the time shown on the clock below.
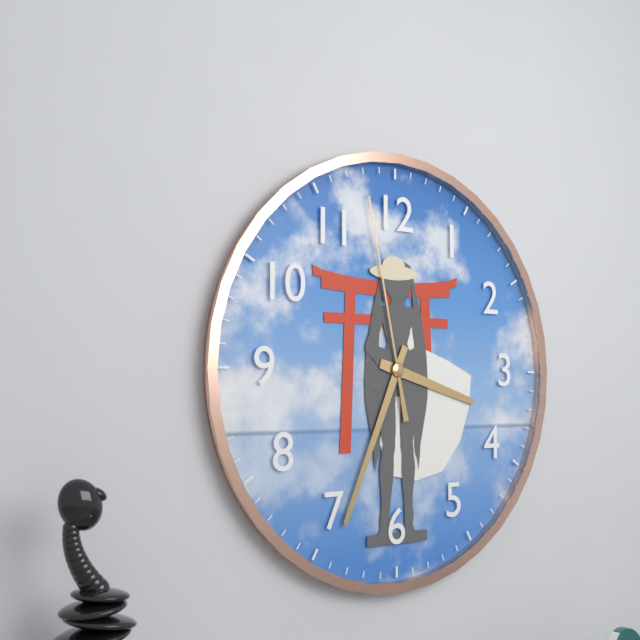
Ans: 3:34:58
